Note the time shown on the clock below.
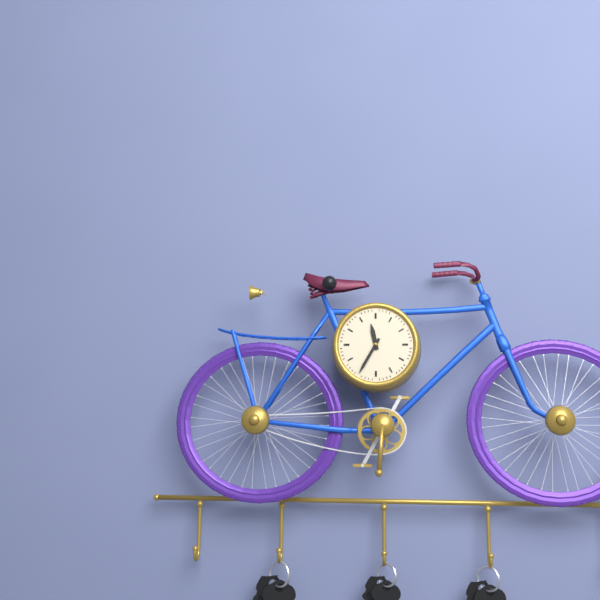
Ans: 11:35
